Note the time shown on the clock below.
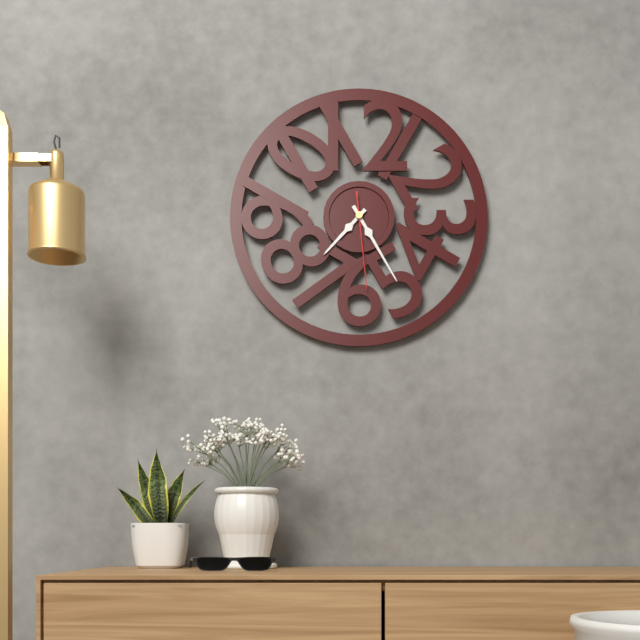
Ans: 7:25:29
